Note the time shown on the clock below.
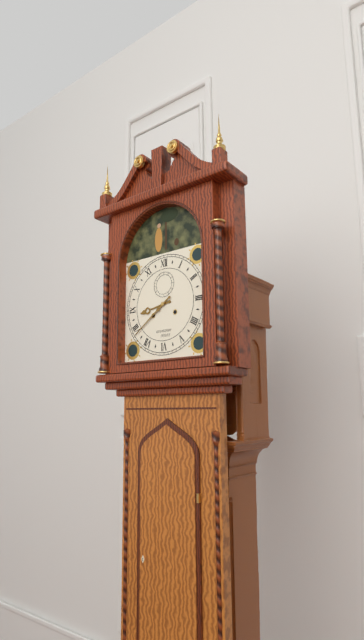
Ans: 8:39
